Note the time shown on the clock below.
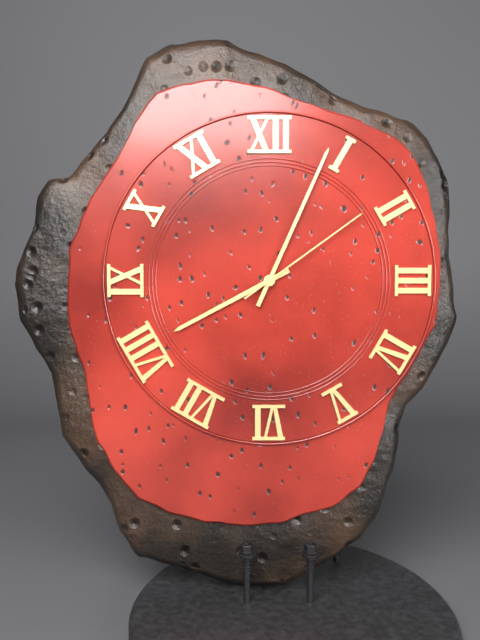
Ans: 8:04:09
